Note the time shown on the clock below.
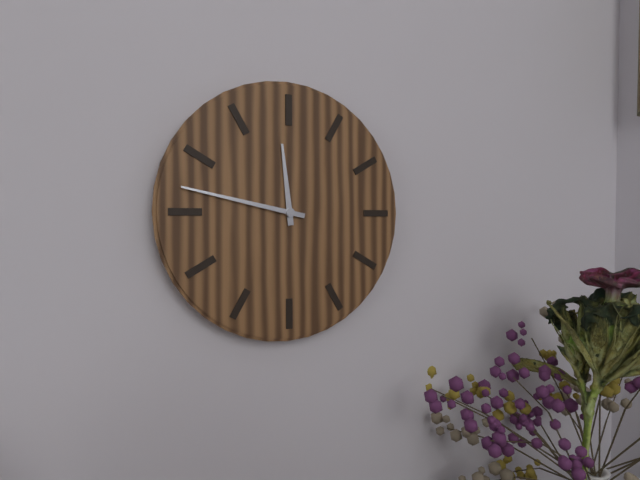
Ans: 11:47
